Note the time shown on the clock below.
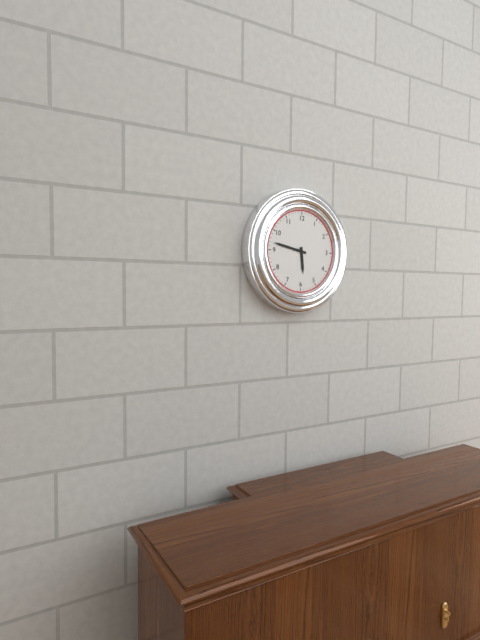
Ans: 5:47
